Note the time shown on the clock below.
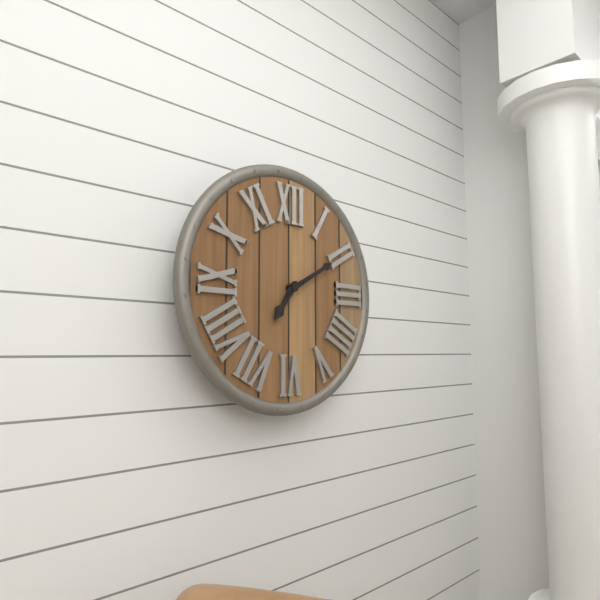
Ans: 7:10
